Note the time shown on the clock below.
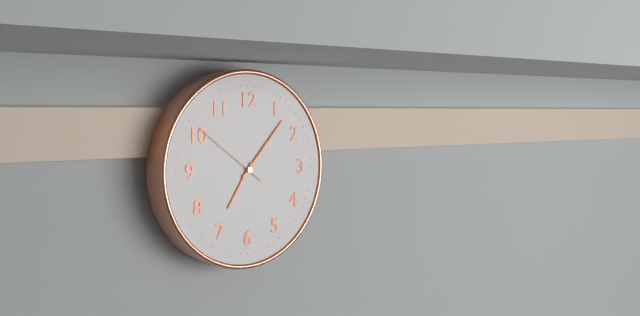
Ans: 7:07:51
